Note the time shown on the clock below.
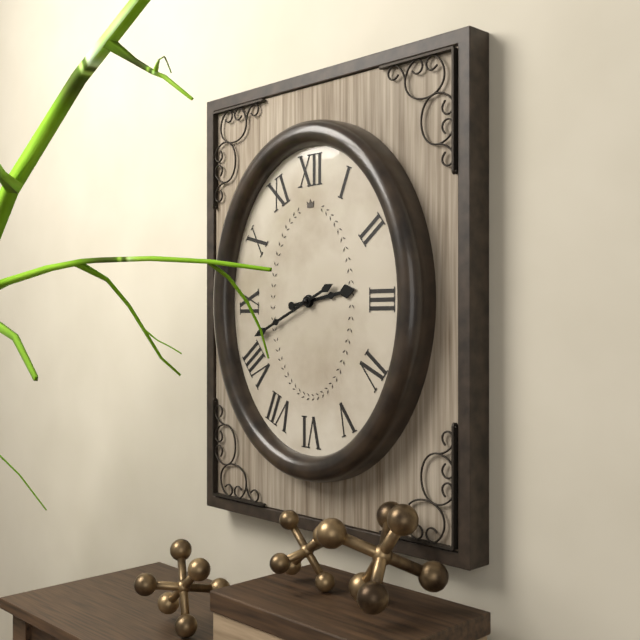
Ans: 2:41
